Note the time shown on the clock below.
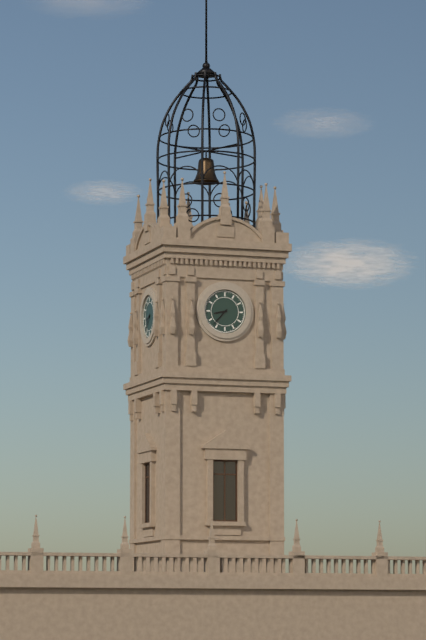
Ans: 8:37
